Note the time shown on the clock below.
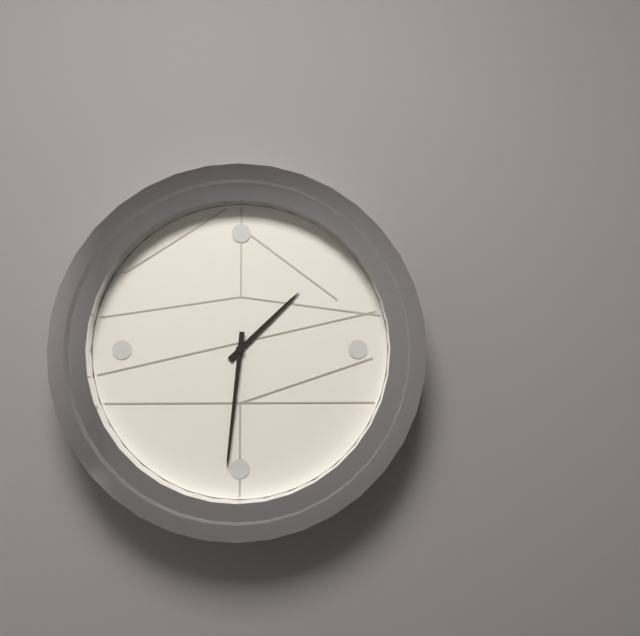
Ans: 1:31
